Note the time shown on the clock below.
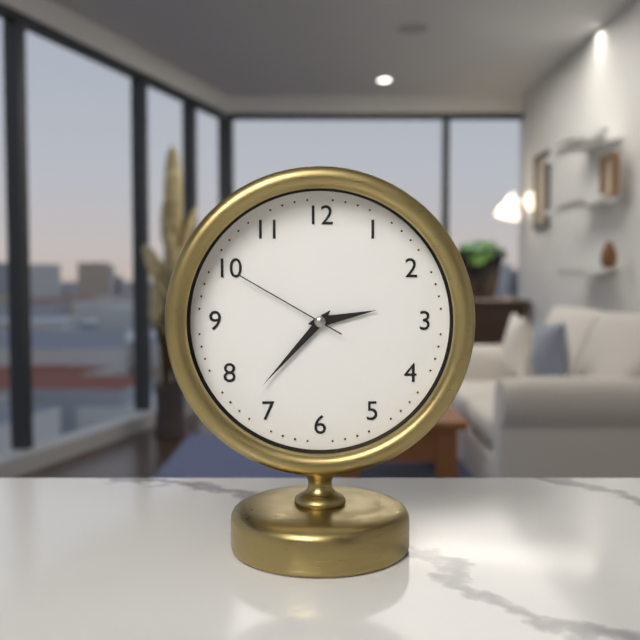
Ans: 2:37:50
